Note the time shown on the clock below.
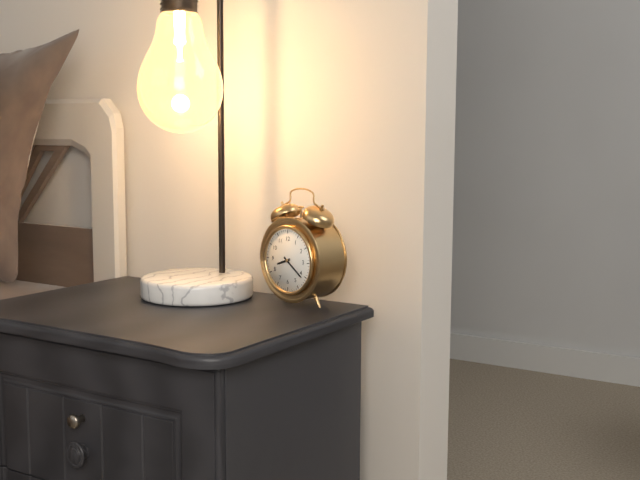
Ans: 8:21
